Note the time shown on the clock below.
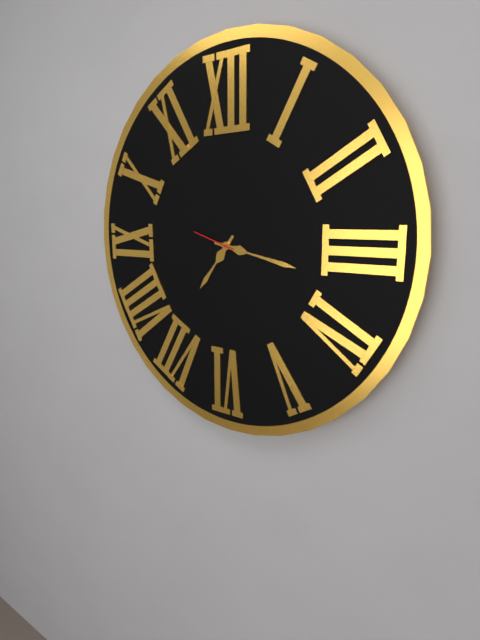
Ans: 7:17
